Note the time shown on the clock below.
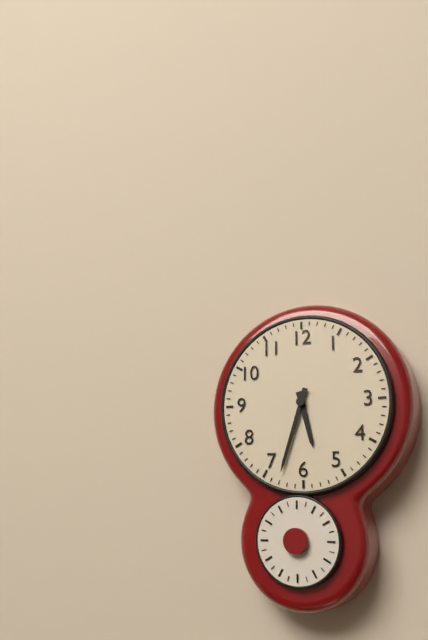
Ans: 5:33
